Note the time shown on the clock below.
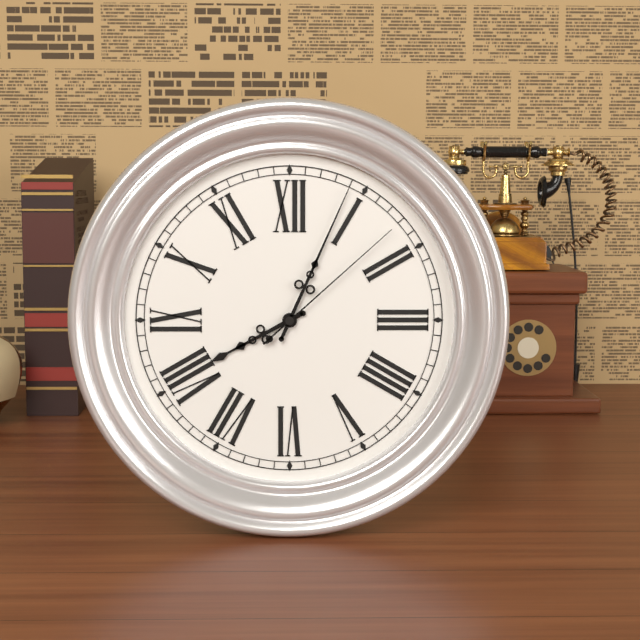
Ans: 8:04:08
